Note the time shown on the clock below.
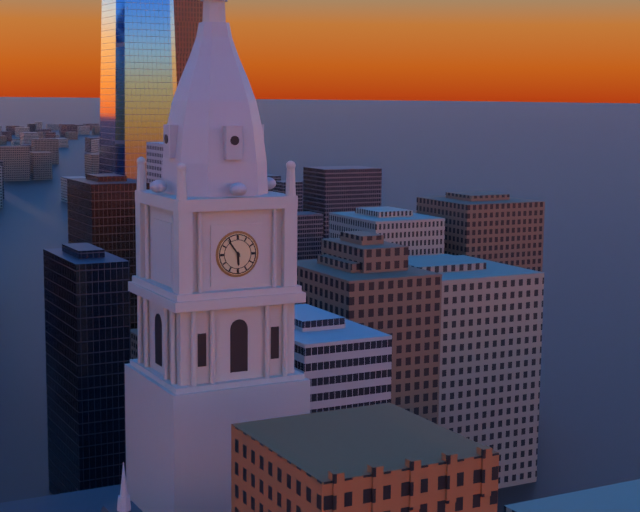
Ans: 5:54
